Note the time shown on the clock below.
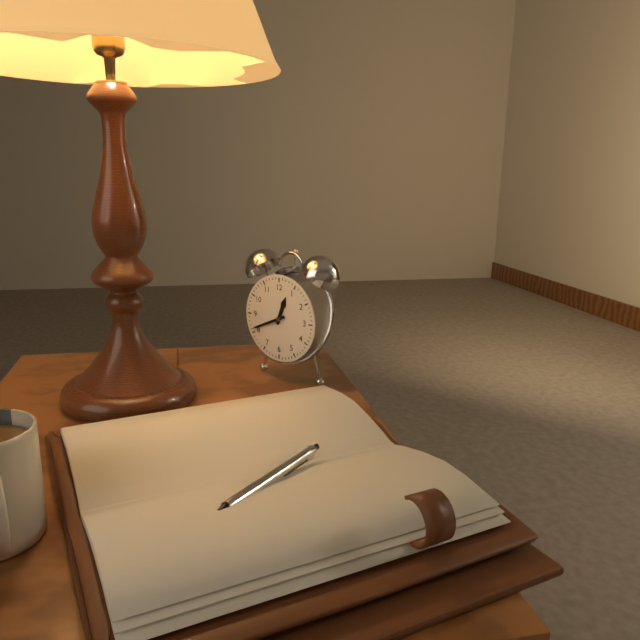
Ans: 12:41
